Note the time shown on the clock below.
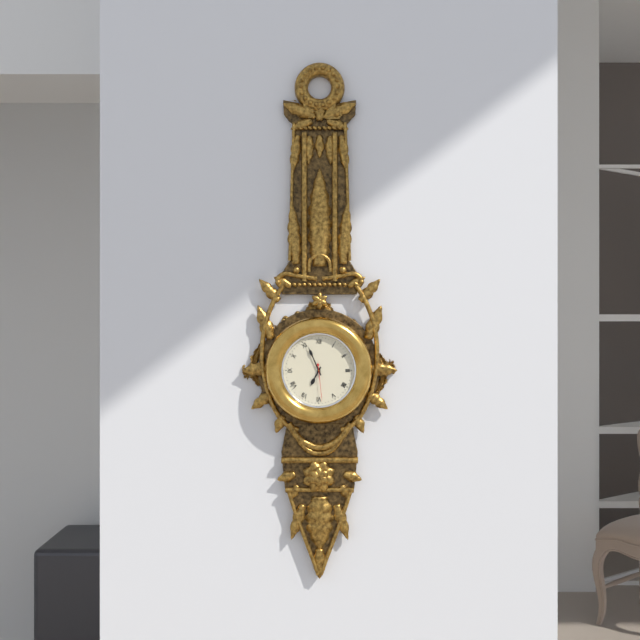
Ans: 6:56
